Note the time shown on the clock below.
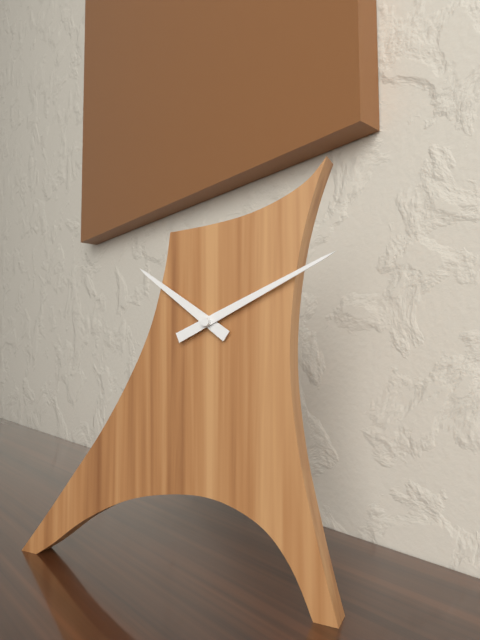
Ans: 10:11
